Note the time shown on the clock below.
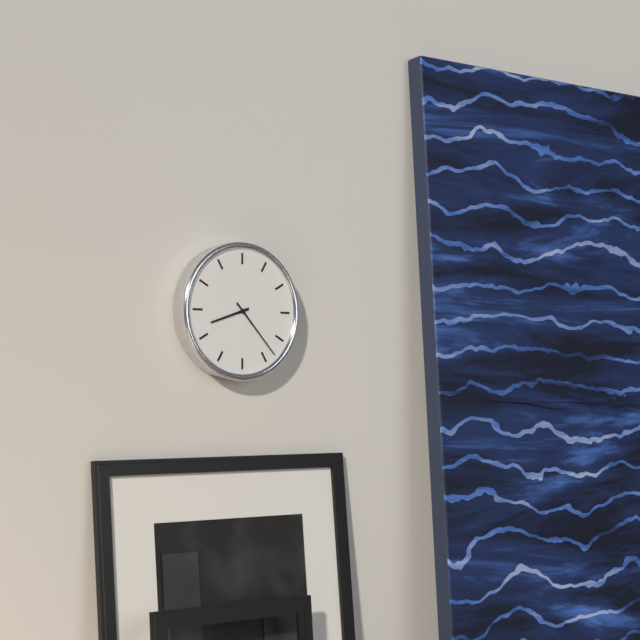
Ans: 8:23
